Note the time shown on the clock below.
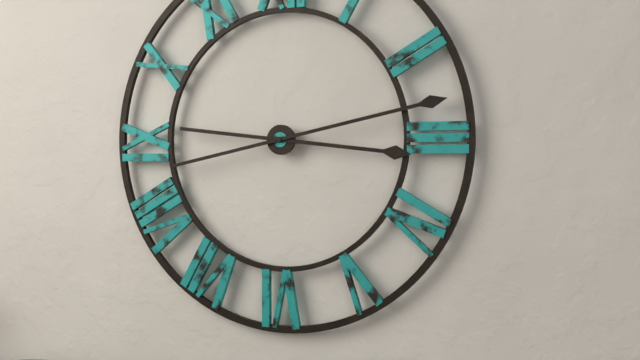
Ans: 3:13
